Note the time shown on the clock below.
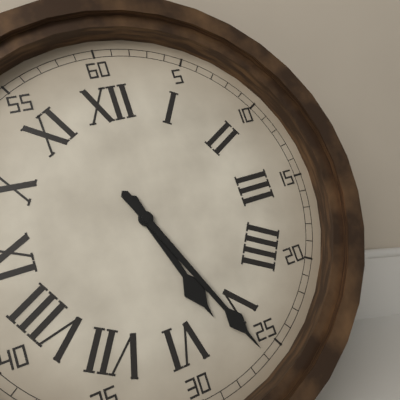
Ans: 5:26
